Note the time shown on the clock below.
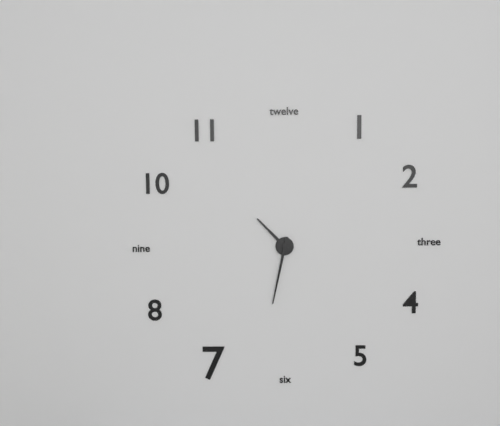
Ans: 10:32
